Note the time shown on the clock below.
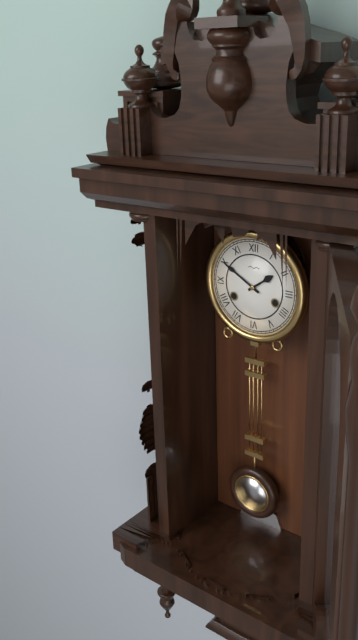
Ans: 1:50
